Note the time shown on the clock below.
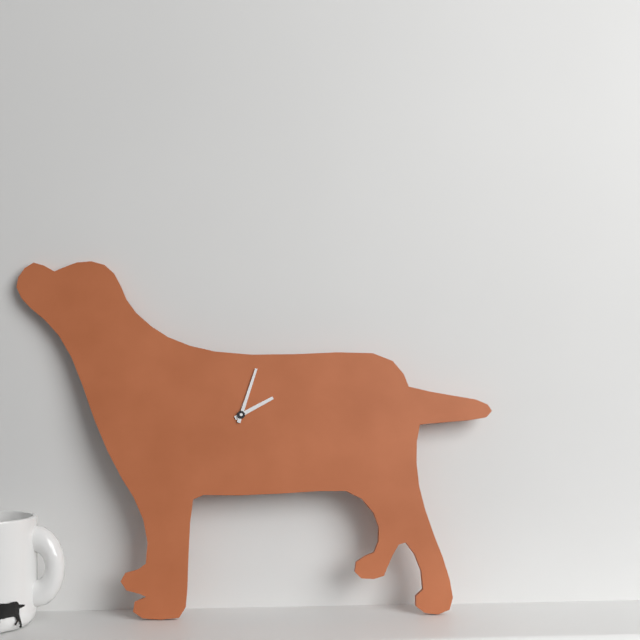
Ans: 2:03
